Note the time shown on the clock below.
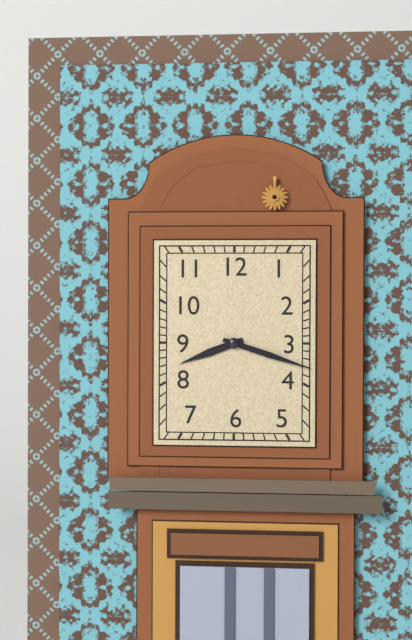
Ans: 8:18
